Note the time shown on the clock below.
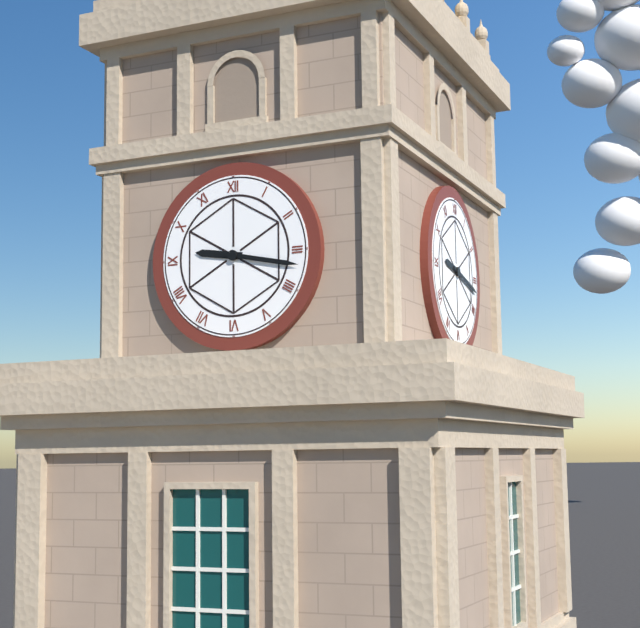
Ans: 9:17
